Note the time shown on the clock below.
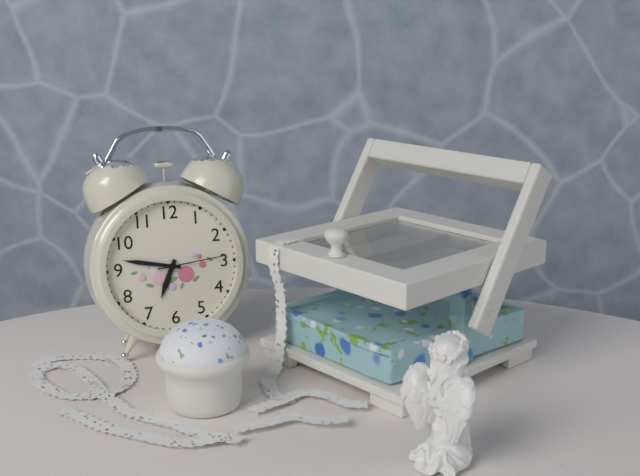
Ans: 6:47:14
